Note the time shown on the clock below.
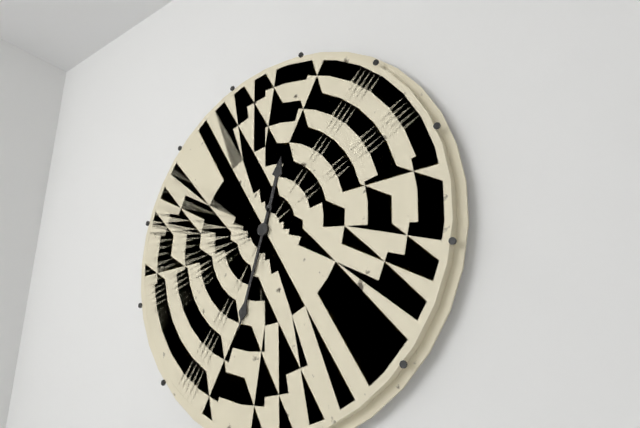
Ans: 12:33
